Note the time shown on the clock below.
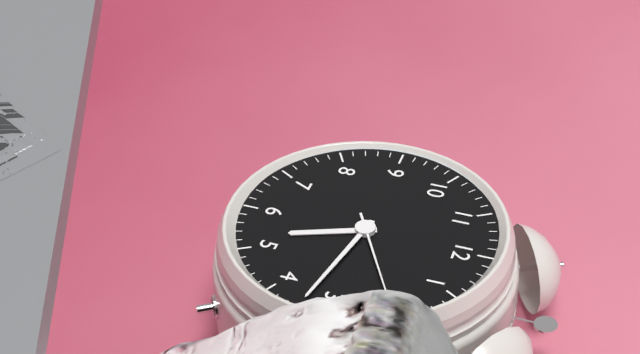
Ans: 5:17:10
